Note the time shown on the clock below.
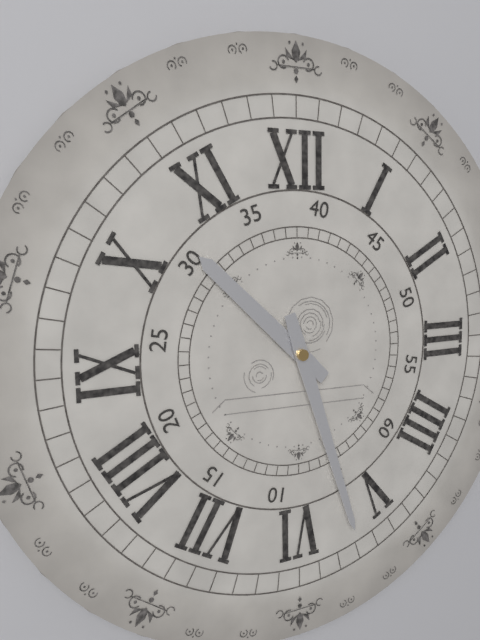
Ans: 10:27
